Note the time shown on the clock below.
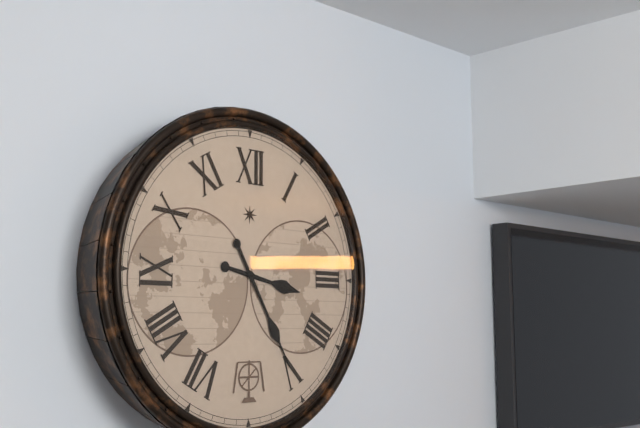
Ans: 3:25
